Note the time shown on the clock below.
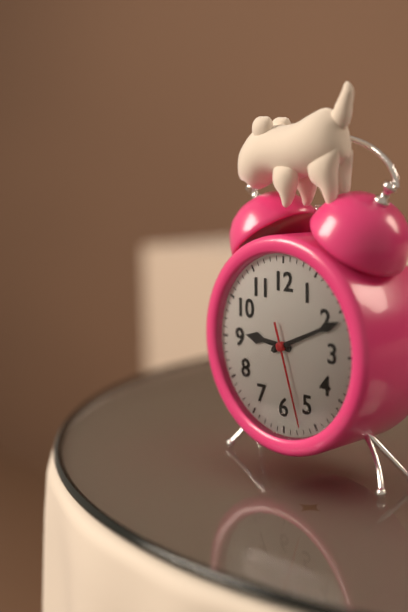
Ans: 9:11:27
